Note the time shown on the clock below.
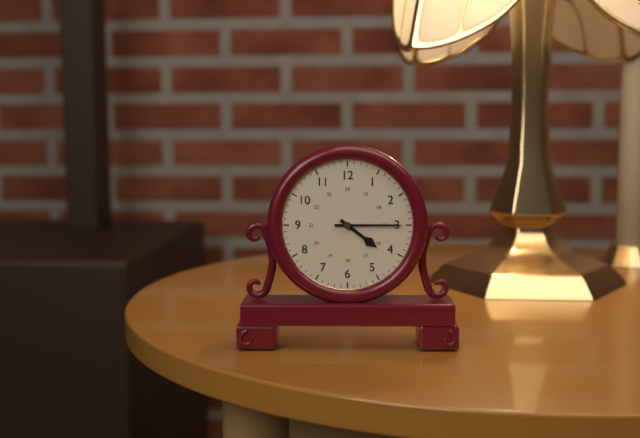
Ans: 4:15
